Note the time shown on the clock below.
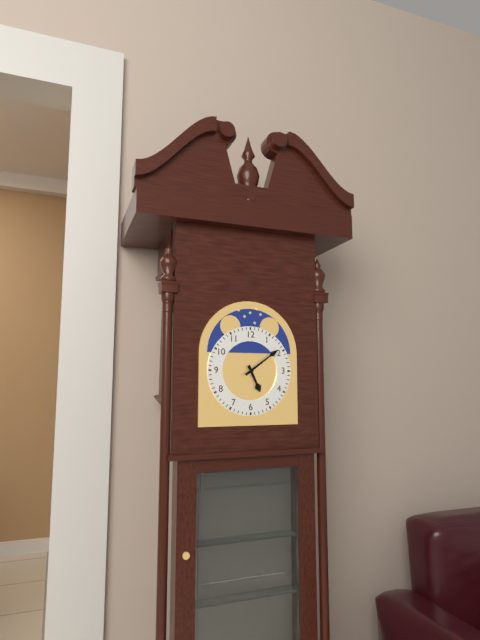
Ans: 5:09
